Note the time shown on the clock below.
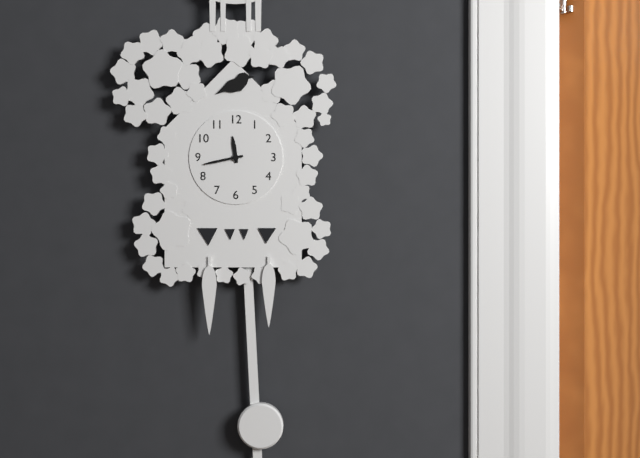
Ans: 11:43
